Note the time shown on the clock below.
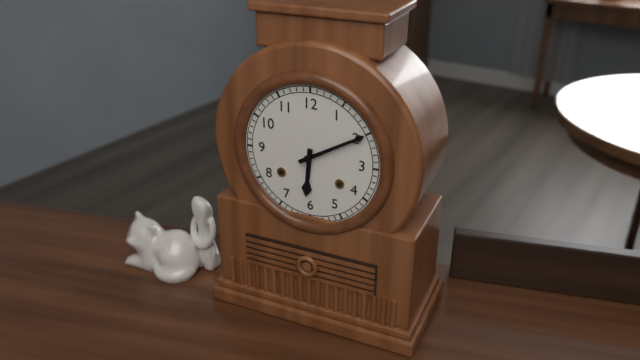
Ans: 6:10
